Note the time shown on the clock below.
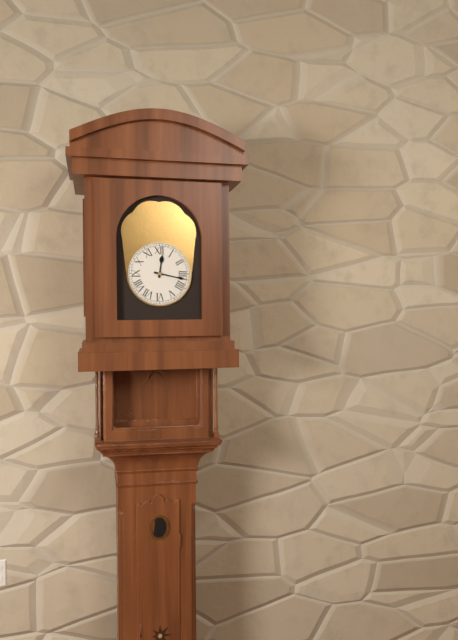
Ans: 12:17
